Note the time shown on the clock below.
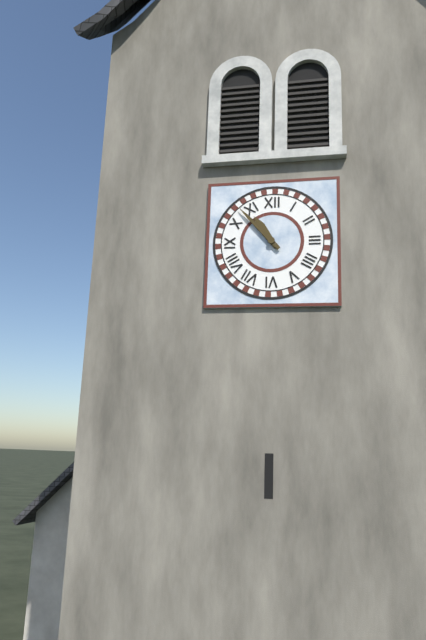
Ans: 10:53
